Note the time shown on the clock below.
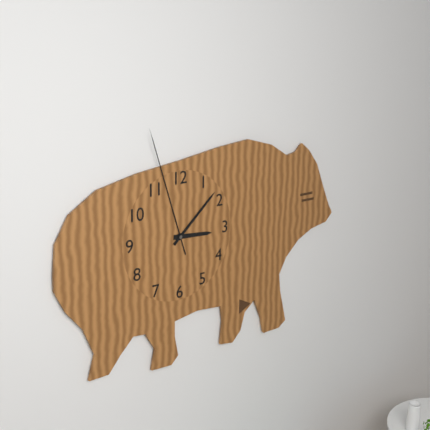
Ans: 3:08:57
